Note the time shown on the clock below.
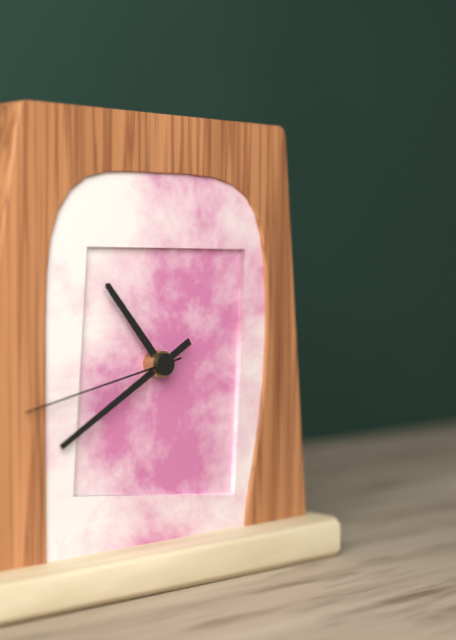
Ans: 10:40:43
